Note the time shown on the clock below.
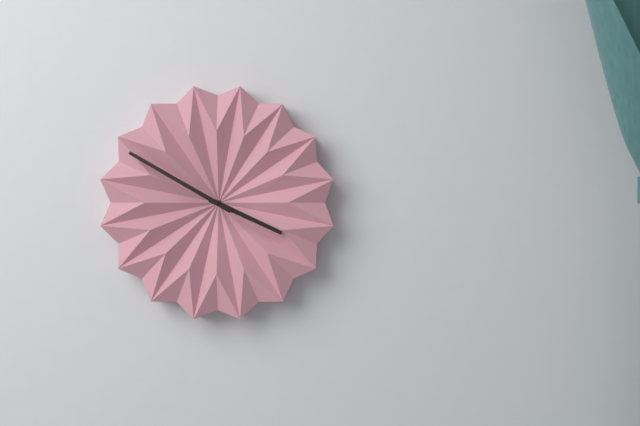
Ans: 3:50
